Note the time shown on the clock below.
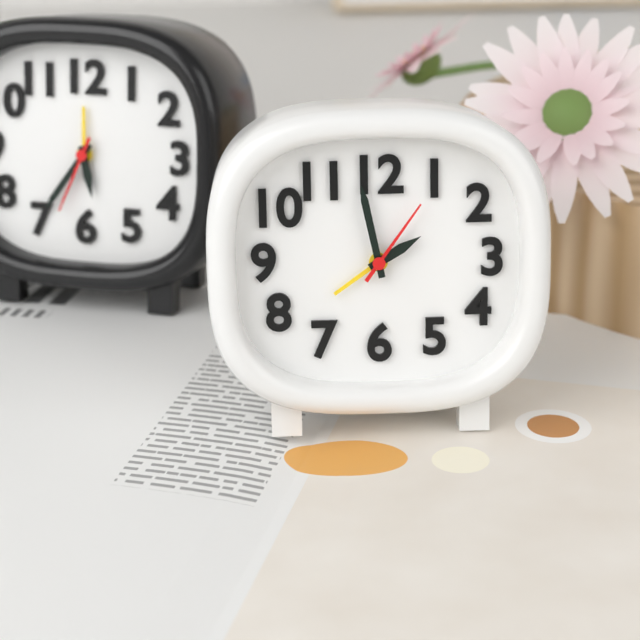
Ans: 1:58:06
